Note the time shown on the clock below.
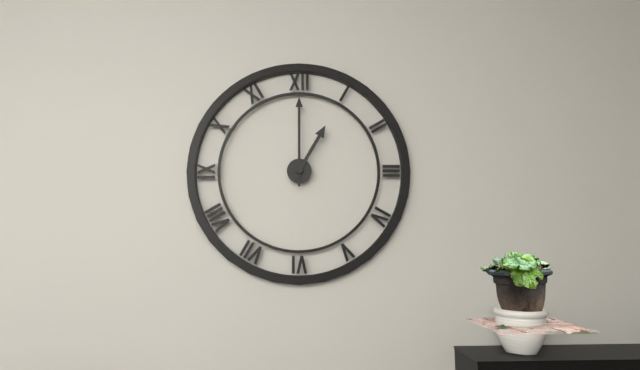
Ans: 1:00
